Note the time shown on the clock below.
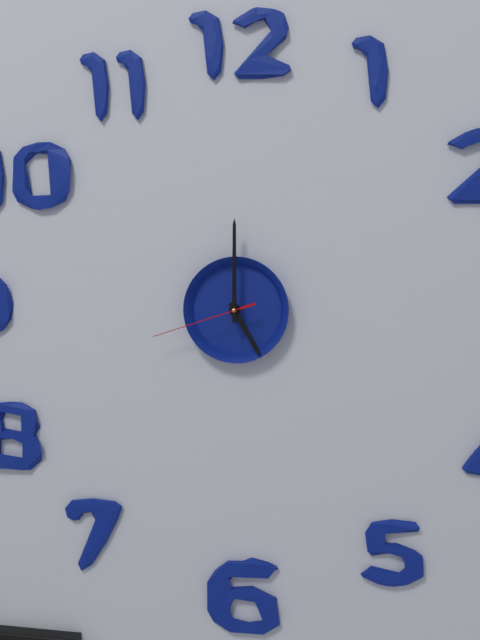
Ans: 5:00:42
